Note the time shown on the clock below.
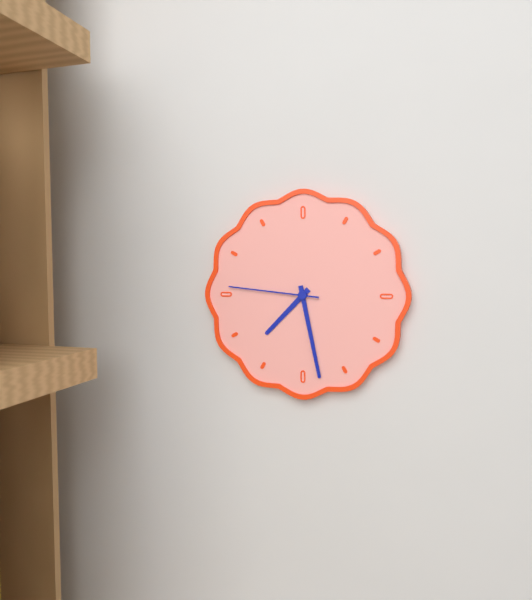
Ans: 7:28:46
